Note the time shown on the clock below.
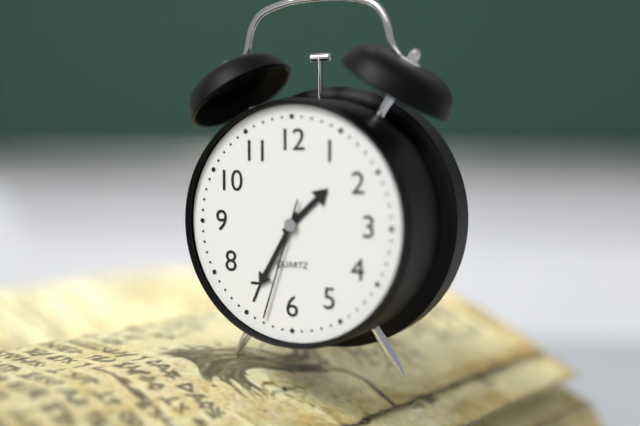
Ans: 1:35:33
